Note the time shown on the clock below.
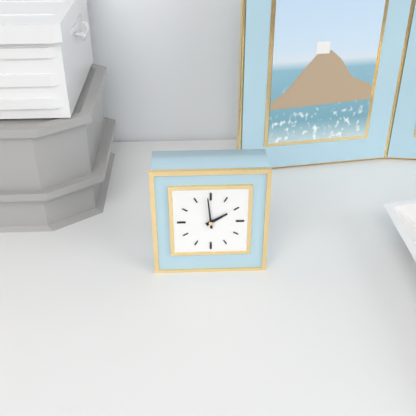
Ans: 1:59
